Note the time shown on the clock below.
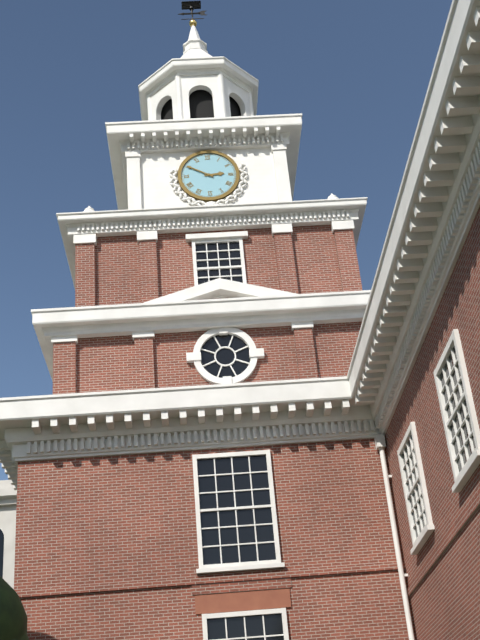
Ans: 2:50
